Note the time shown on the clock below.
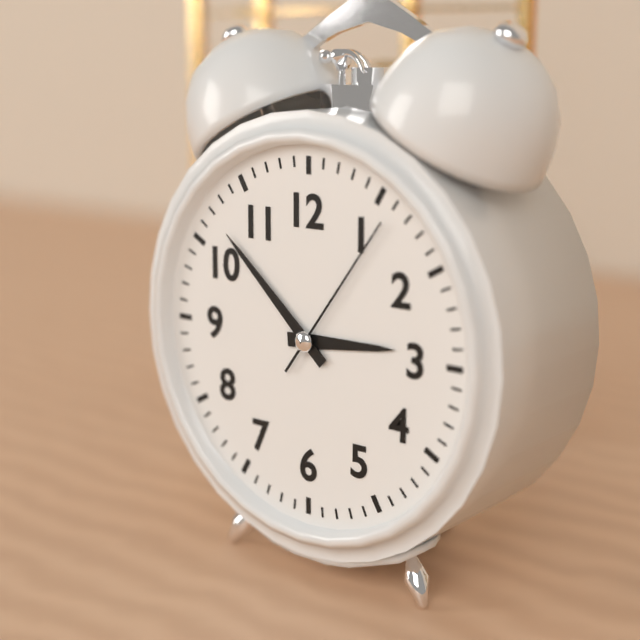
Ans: 2:52:06
